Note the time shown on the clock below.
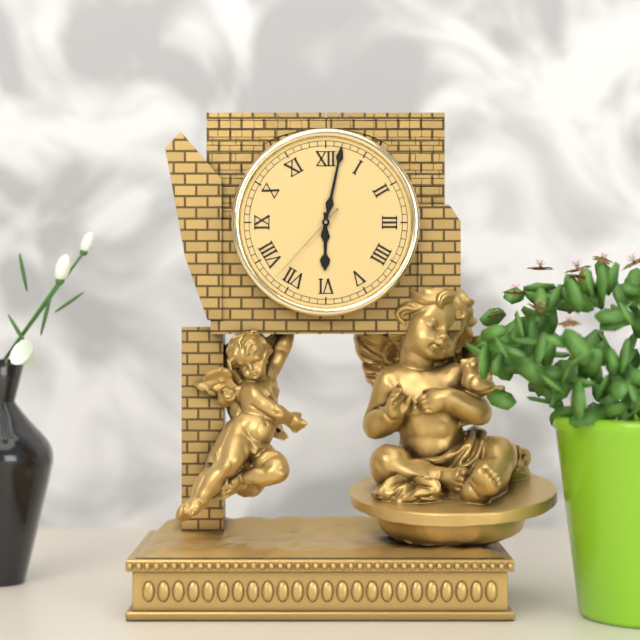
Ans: 6:02:37
